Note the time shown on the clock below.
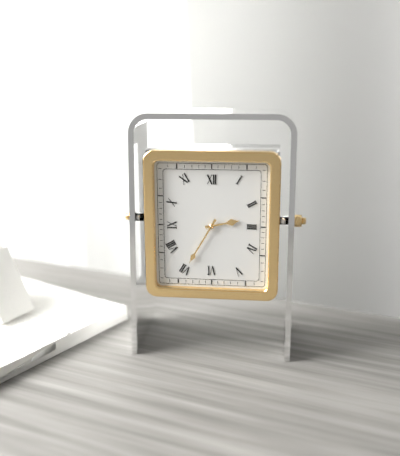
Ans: 2:35
